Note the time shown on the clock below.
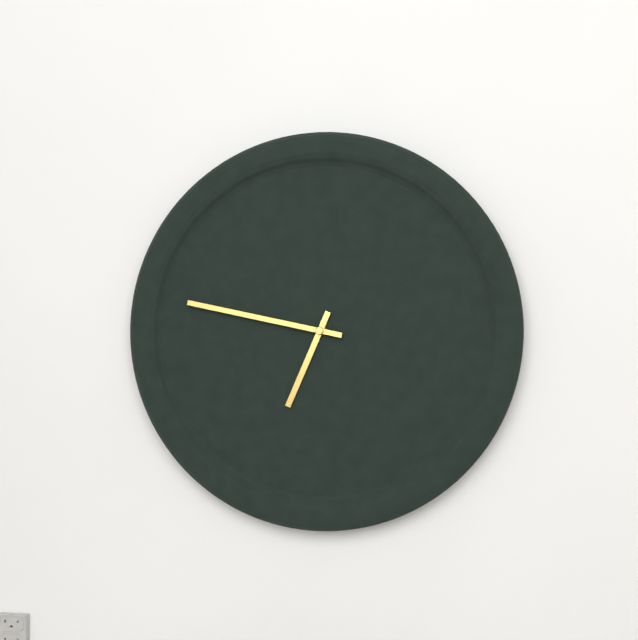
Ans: 6:47
